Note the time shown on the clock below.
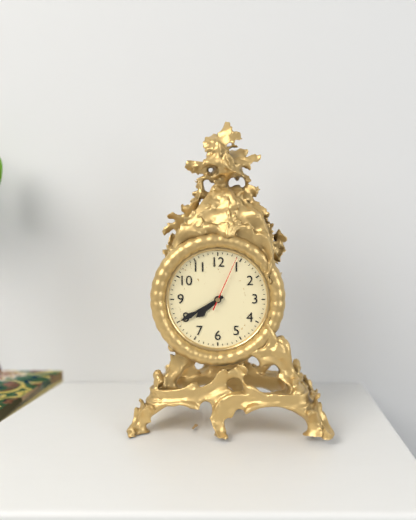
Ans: 7:40:04
